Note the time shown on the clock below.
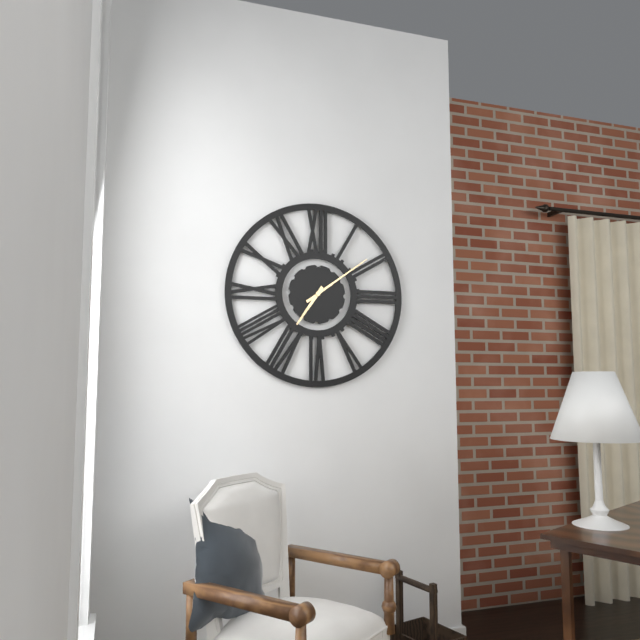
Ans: 7:09
